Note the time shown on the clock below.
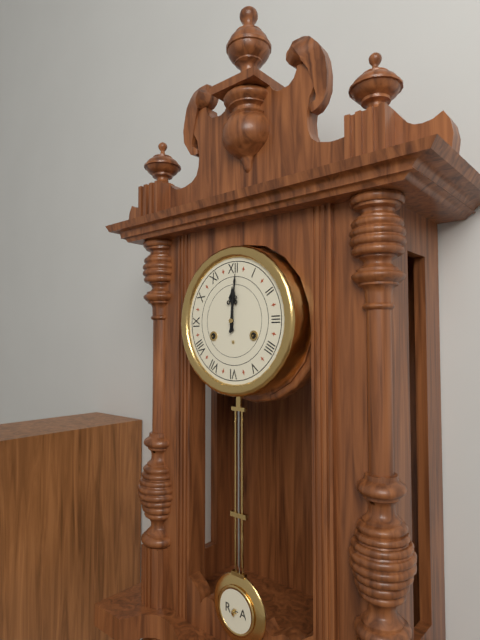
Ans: 12:01
